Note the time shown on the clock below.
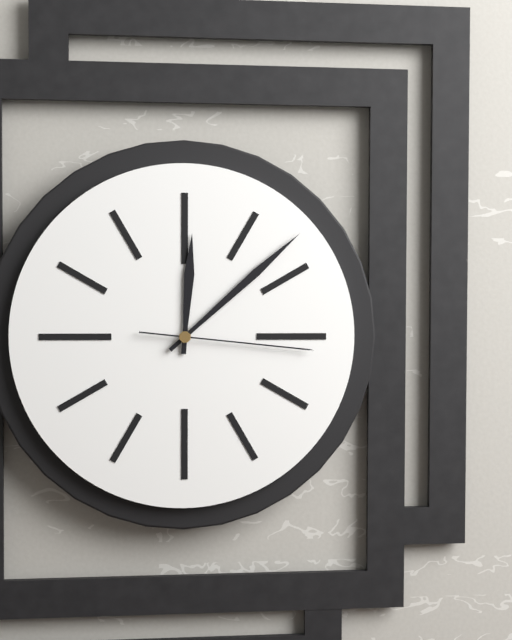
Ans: 12:08:16
